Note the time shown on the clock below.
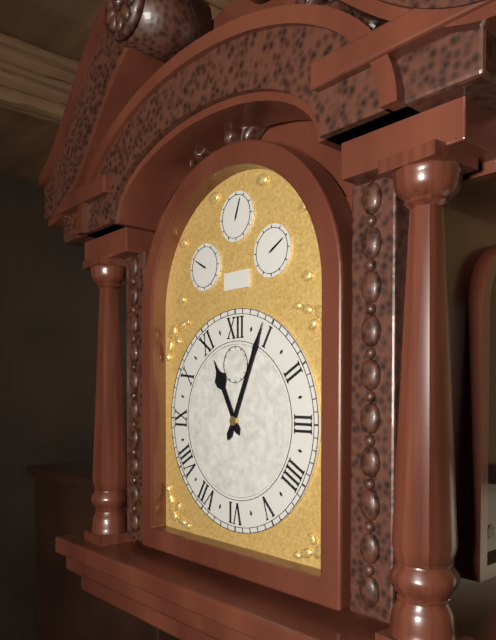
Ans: 11:04
